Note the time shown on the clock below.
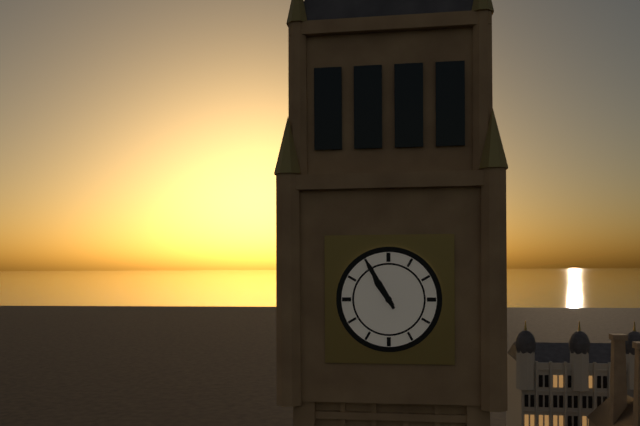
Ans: 10:55
